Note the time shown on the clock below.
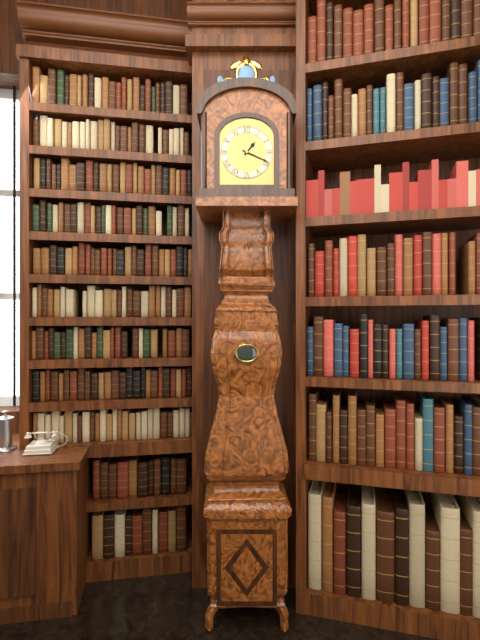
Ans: 1:19
